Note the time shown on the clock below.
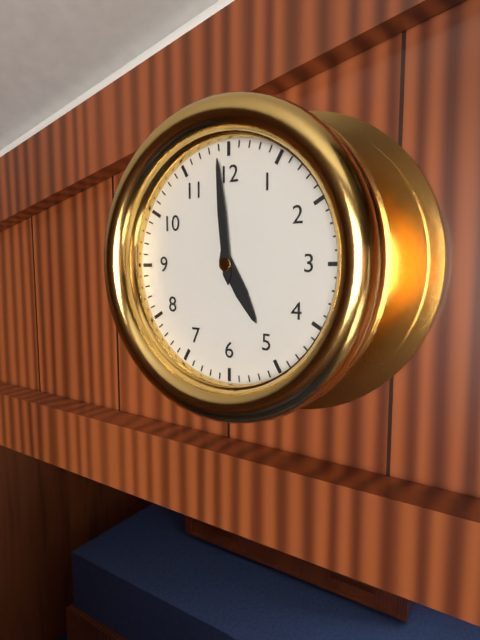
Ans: 4:59
